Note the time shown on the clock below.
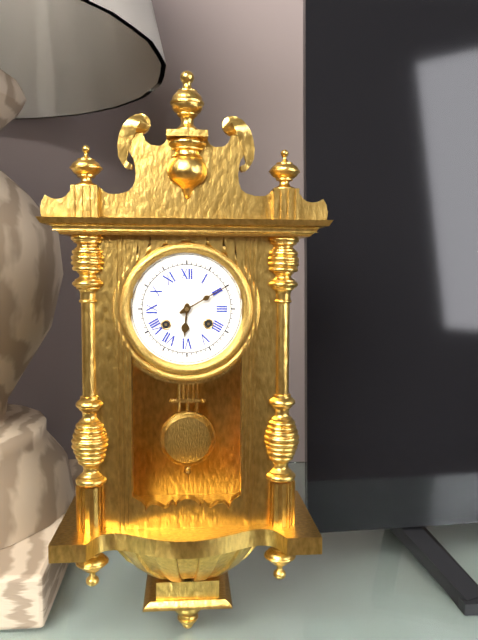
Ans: 6:10
